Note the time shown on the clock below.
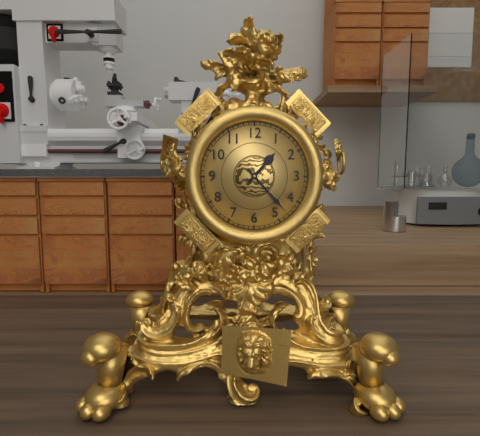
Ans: 1:23
